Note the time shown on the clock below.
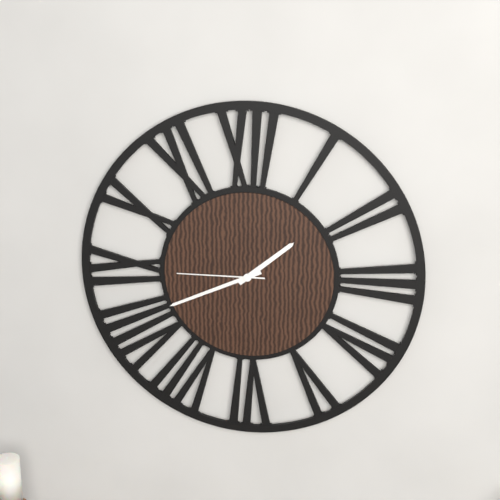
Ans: 1:41:45
